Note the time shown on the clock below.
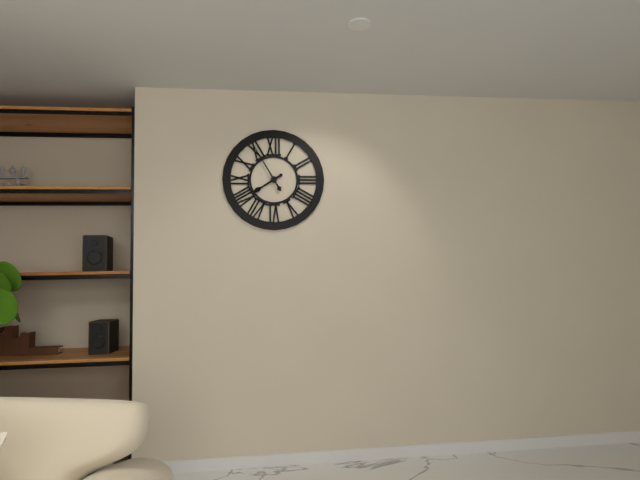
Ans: 7:55
